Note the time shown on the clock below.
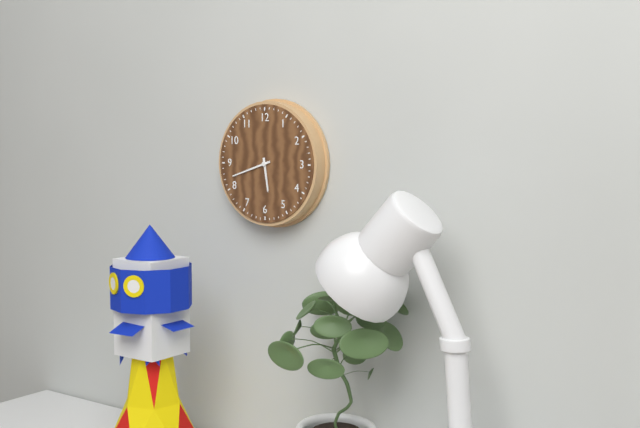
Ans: 5:42
